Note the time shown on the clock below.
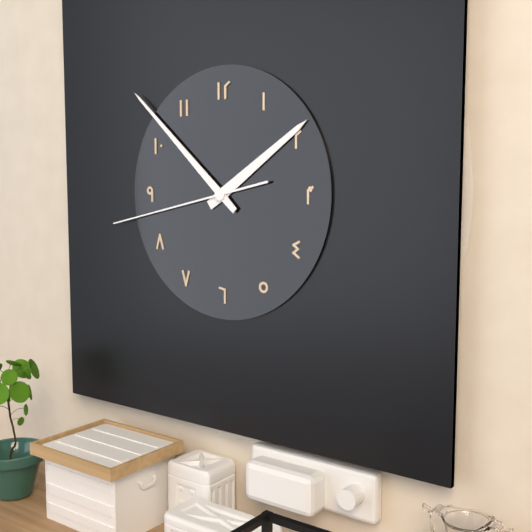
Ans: 1:52:43
